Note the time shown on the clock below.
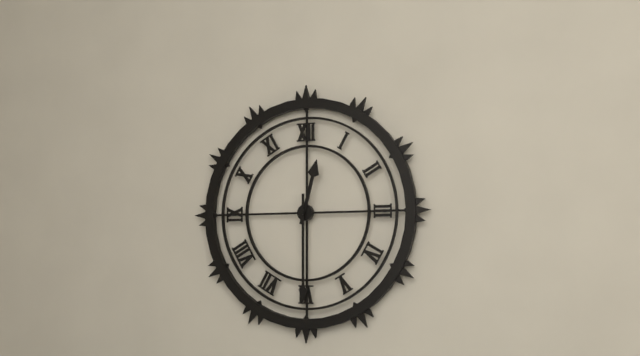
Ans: 12:30
